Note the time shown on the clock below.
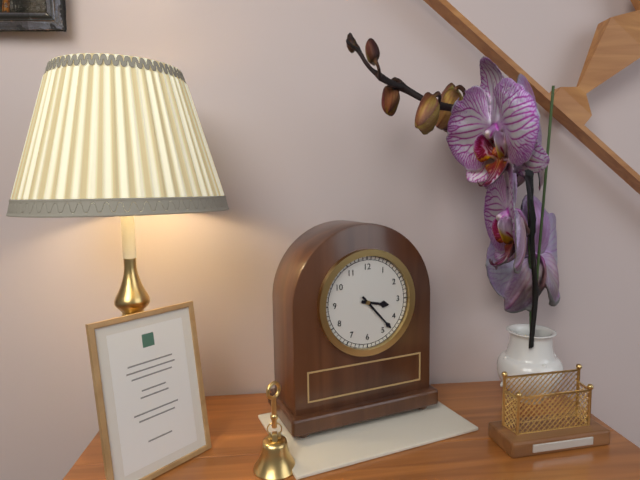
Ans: 3:23
